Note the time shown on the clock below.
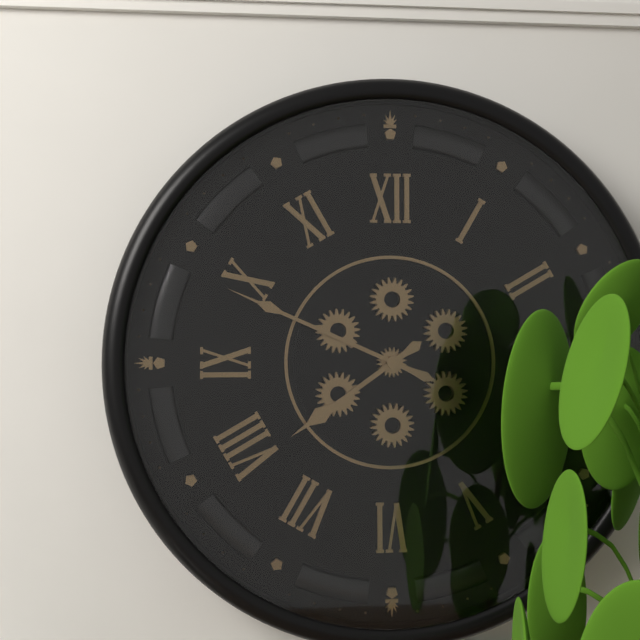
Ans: 7:49
